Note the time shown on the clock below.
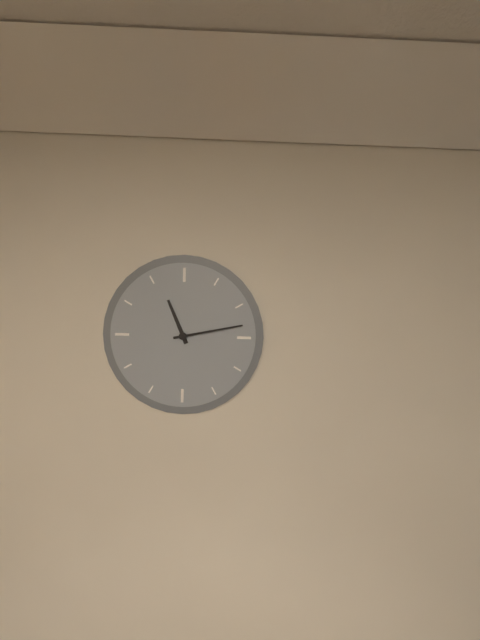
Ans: 11:13
